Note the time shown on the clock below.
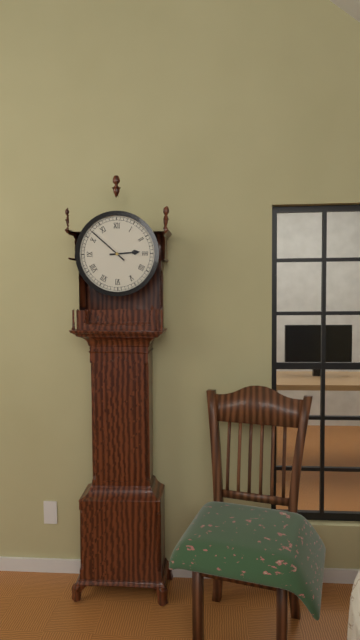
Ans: 2:52
